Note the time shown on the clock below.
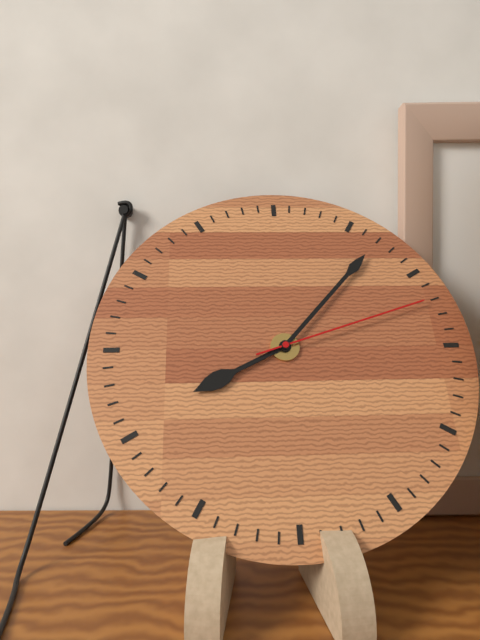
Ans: 8:07:12
